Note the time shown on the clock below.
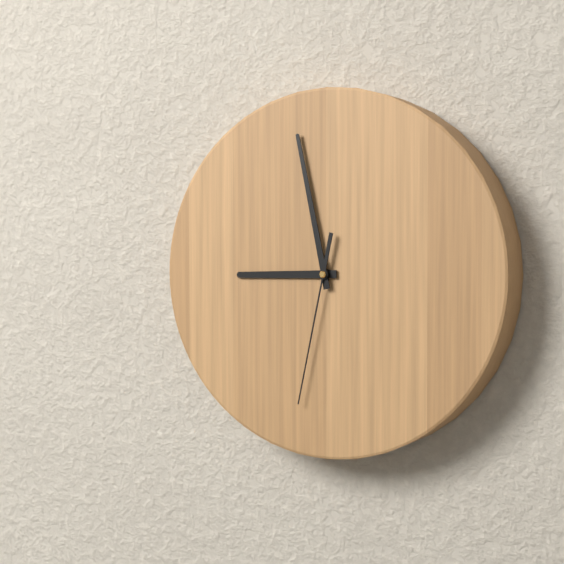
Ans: 8:58:32
